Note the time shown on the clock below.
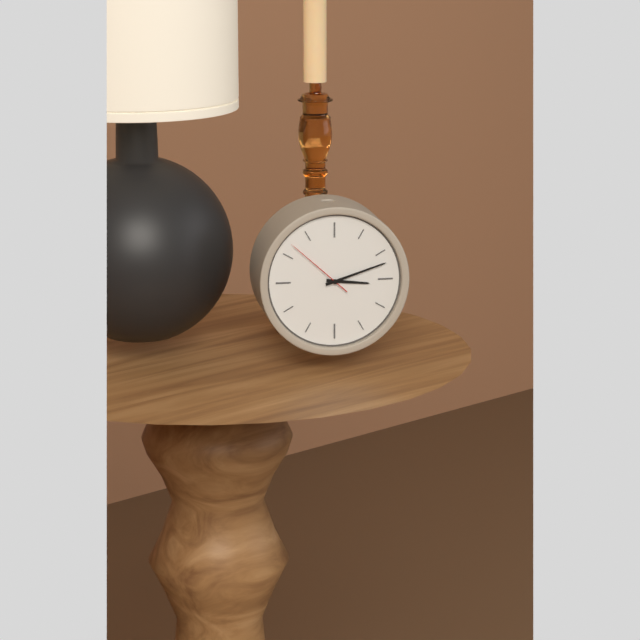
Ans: 3:12:52
